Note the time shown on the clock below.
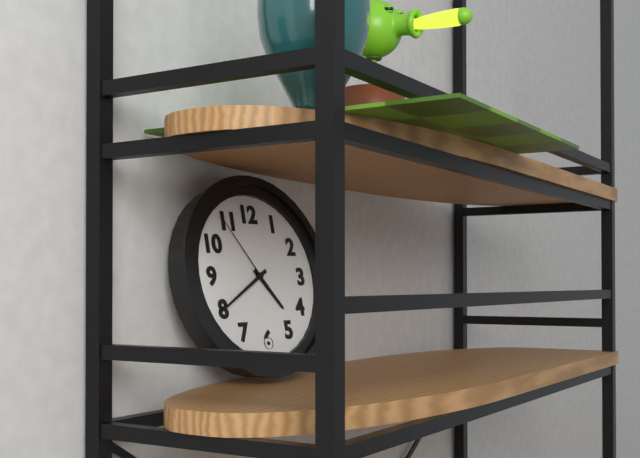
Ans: 4:40:54
